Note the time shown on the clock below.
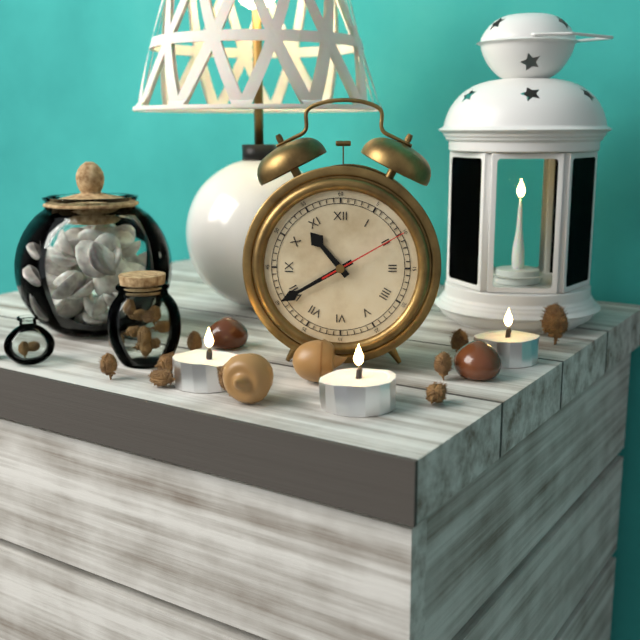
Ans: 10:40:10
